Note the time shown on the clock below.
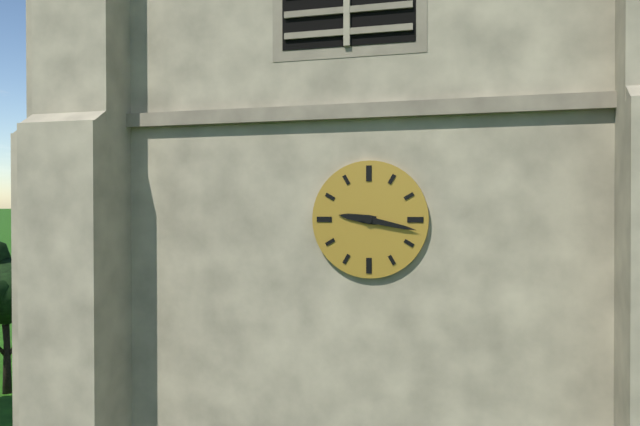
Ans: 9:17
